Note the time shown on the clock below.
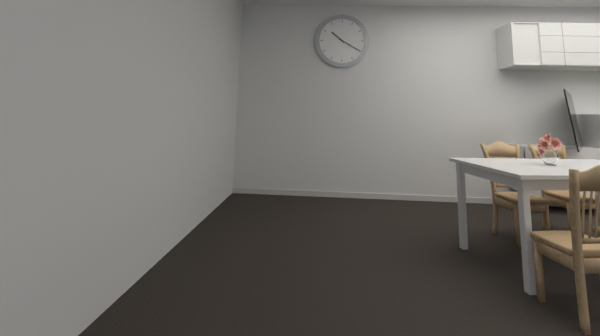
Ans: 10:20
